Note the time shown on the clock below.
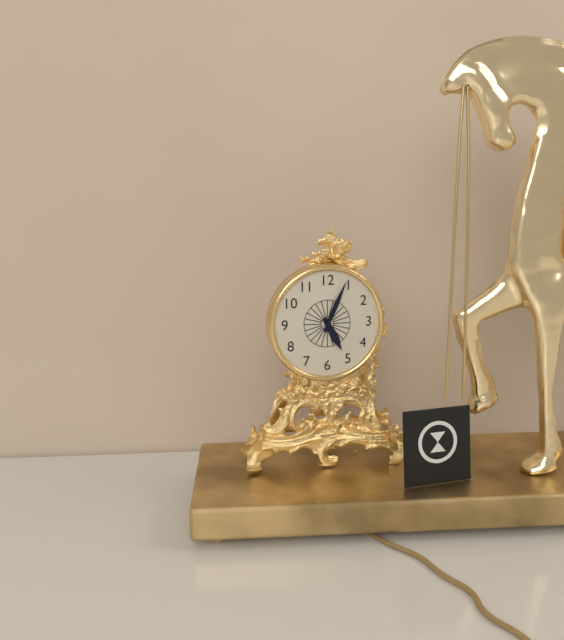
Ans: 5:04
